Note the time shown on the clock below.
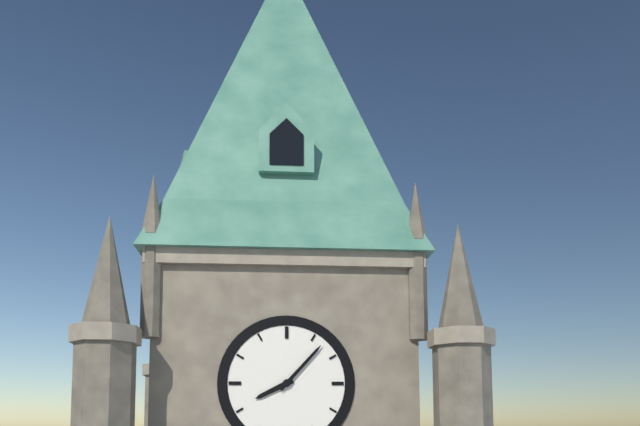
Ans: 8:07
